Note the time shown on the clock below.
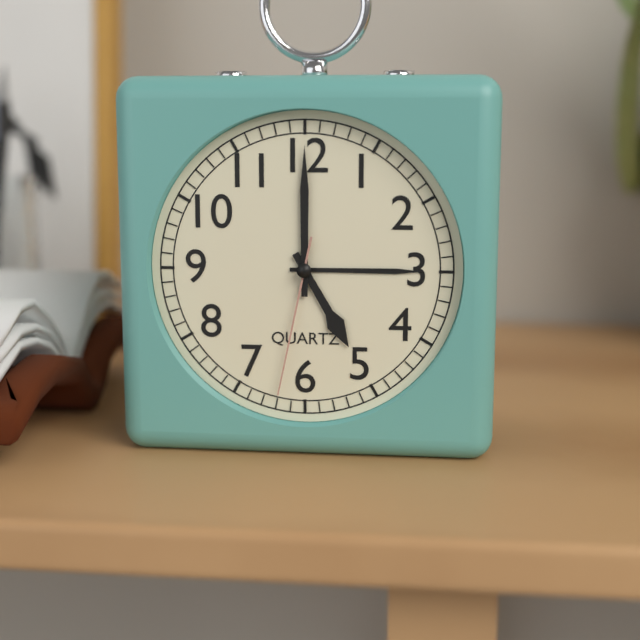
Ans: 5:00:32
